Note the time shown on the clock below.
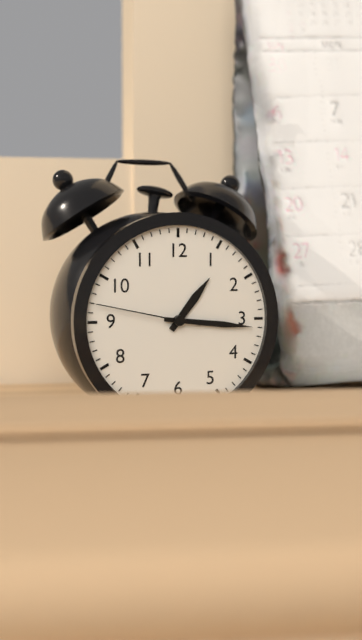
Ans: 1:16:47
